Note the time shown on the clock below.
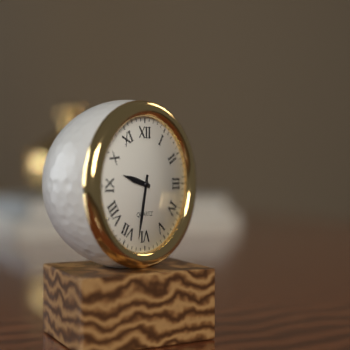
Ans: 9:32
